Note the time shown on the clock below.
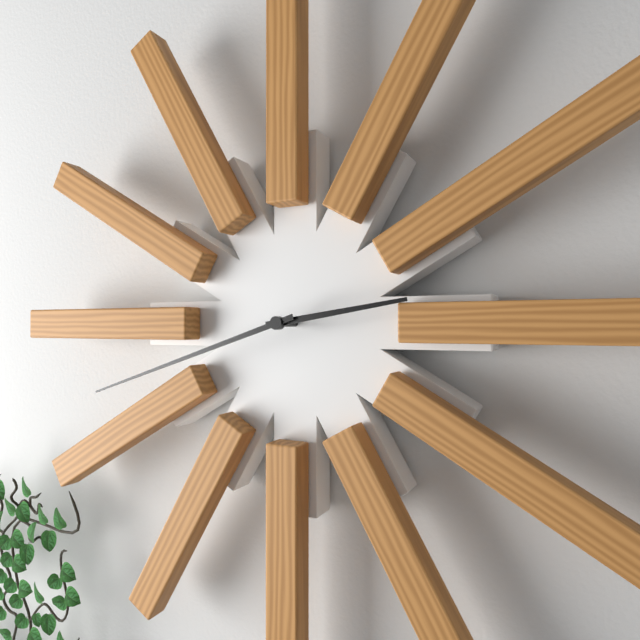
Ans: 2:42
